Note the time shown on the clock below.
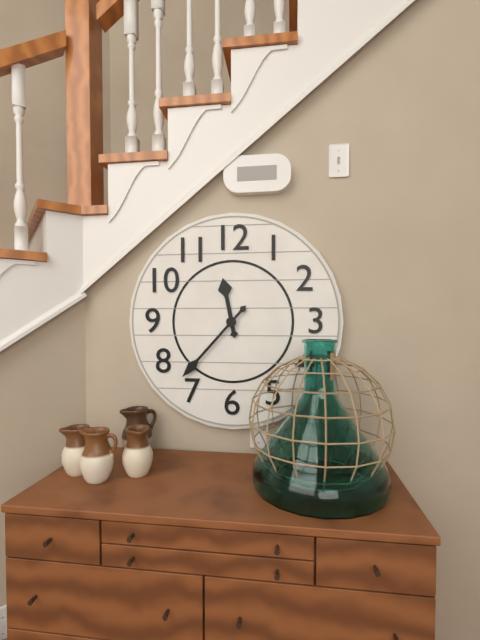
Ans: 11:37
